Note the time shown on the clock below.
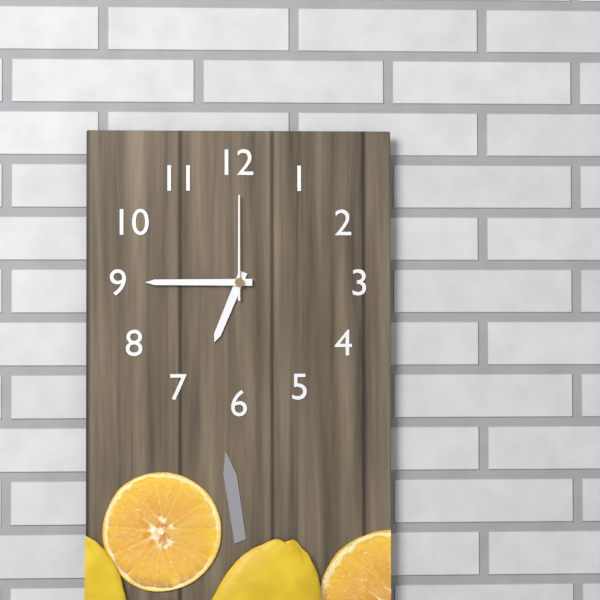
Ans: 6:45:00
